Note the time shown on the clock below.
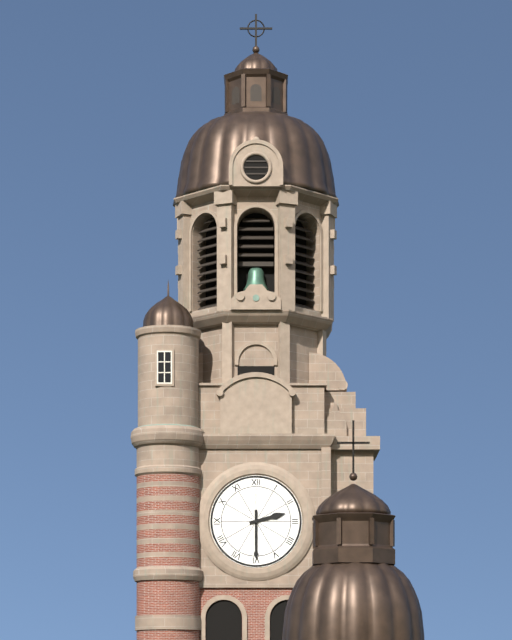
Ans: 2:30
